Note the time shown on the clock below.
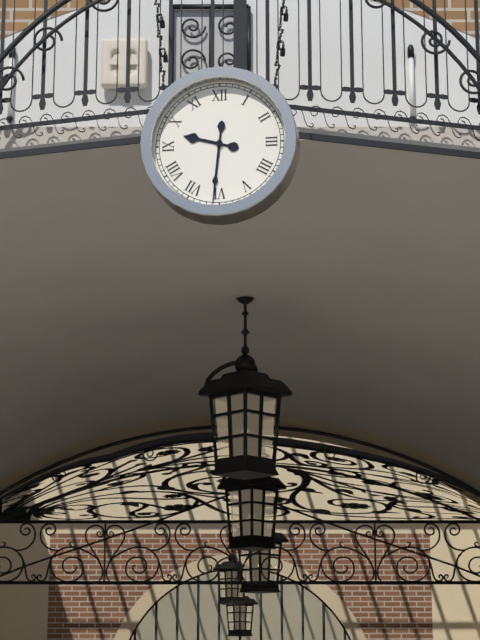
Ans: 9:31
